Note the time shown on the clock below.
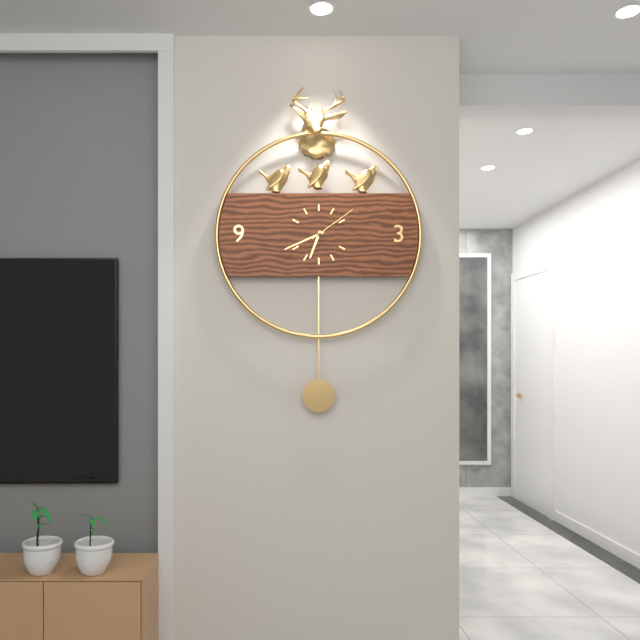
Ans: 6:41:09
